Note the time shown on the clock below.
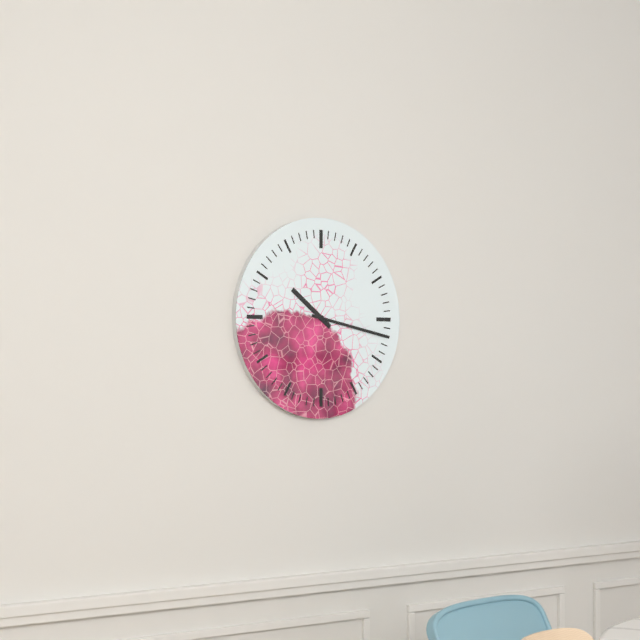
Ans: 10:17
